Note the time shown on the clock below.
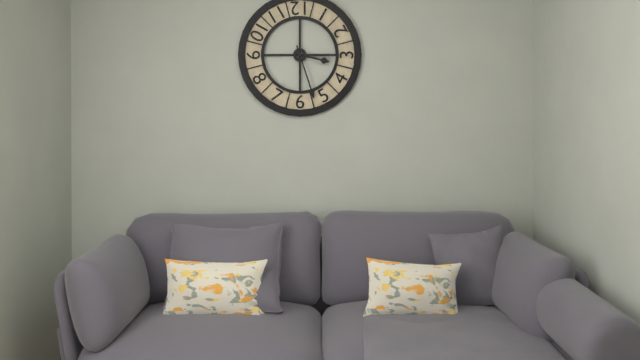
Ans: 3:27
